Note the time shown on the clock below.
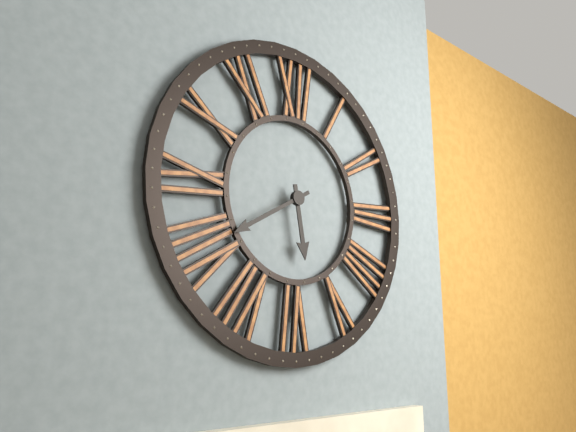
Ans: 5:40
